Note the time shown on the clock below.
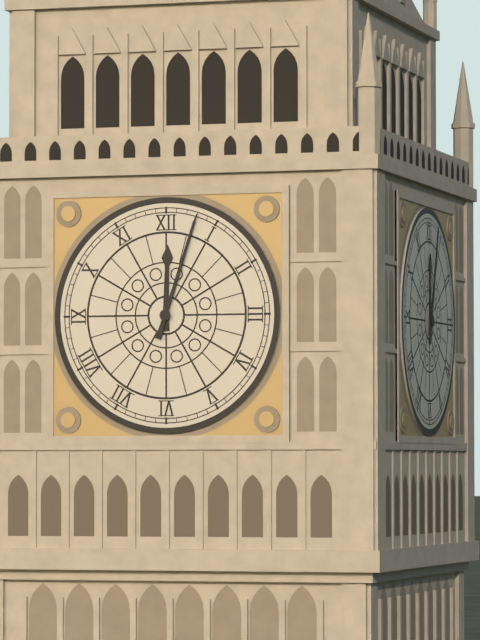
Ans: 12:03
